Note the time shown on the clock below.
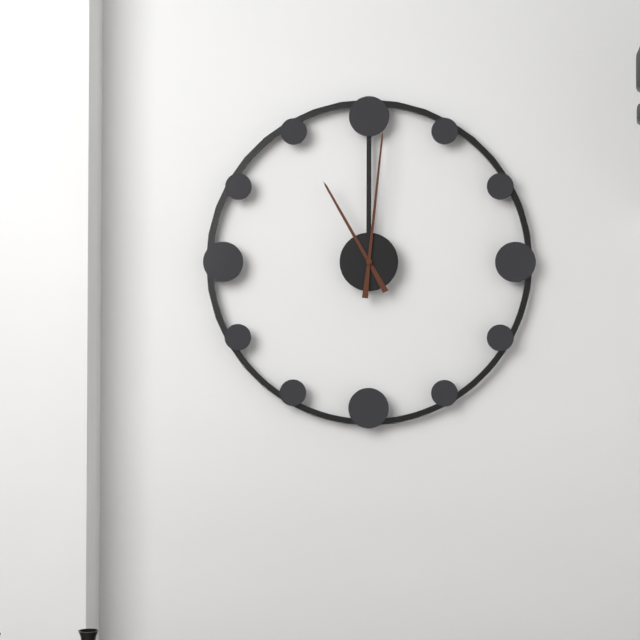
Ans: 11:01
